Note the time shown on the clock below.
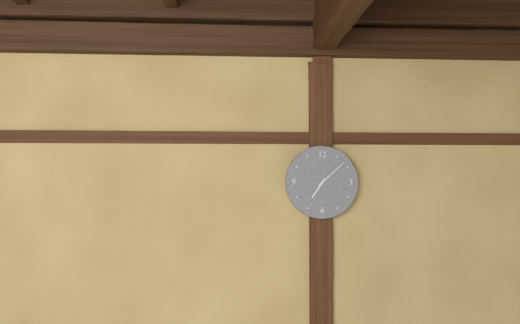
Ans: 7:08
